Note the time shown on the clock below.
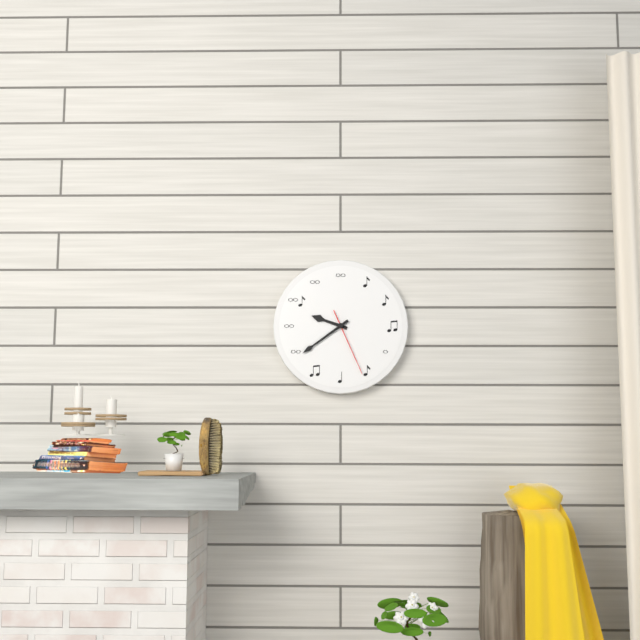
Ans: 9:39:26
